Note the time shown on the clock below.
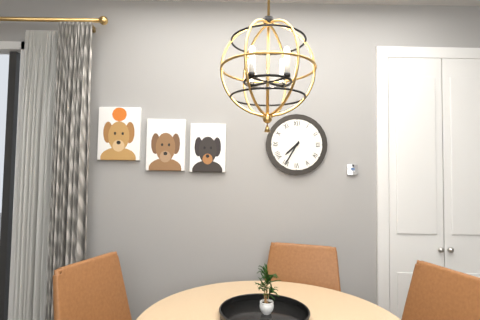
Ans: 7:35
